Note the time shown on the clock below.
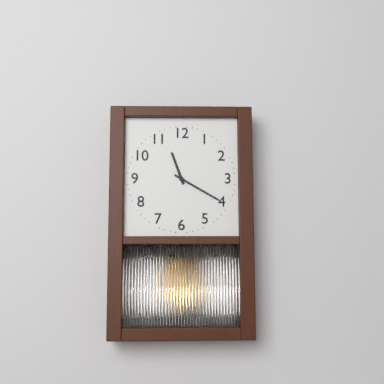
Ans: 11:20
